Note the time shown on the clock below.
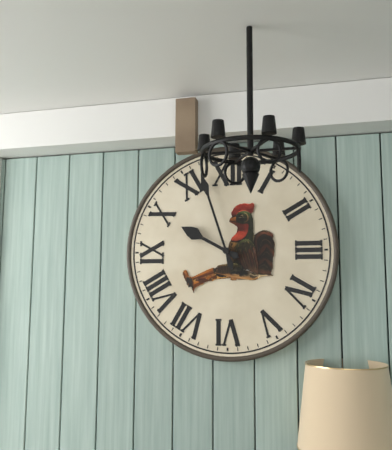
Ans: 9:57
